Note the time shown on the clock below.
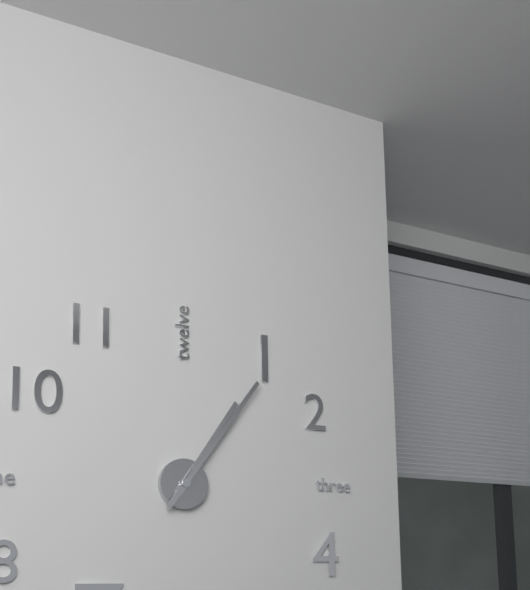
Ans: 1:06
